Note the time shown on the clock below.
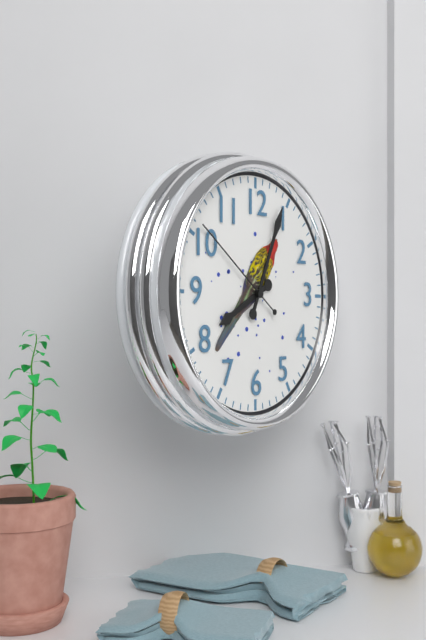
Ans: 8:04:51
